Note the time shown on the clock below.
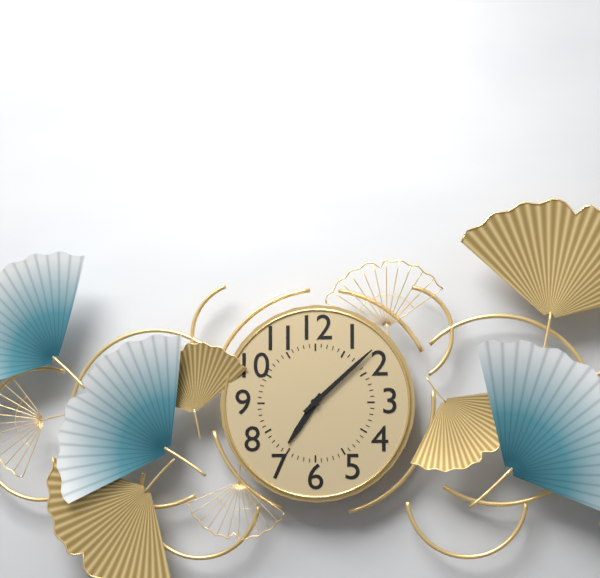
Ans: 7:08
